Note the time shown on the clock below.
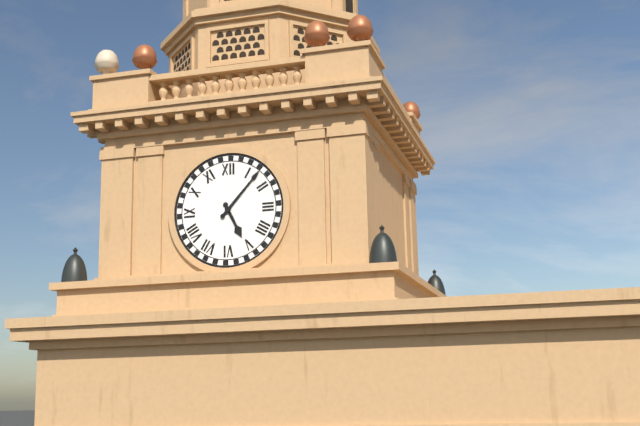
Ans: 5:07
